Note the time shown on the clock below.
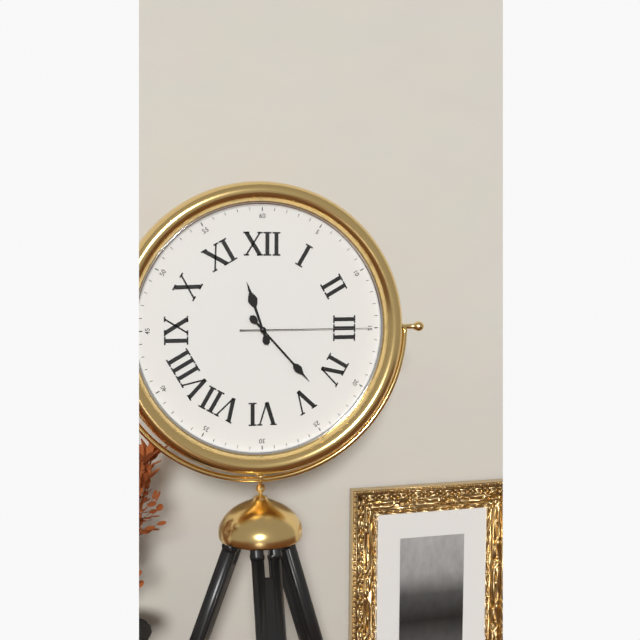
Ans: 11:23:15
